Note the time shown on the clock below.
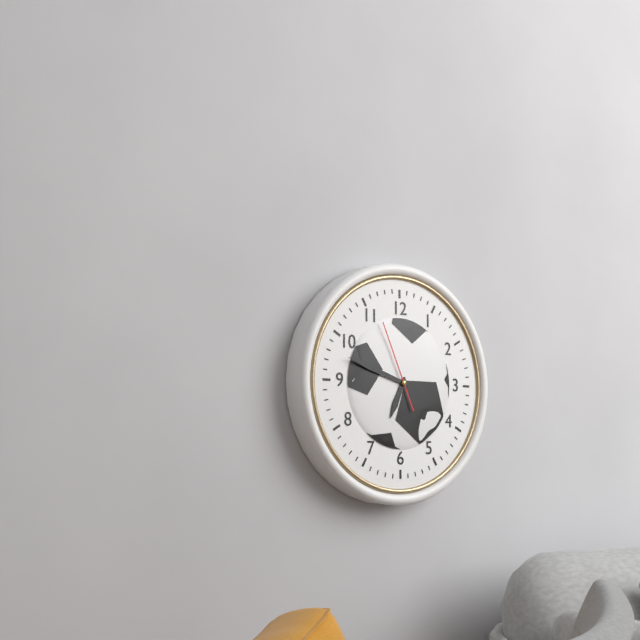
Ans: 6:48:56
